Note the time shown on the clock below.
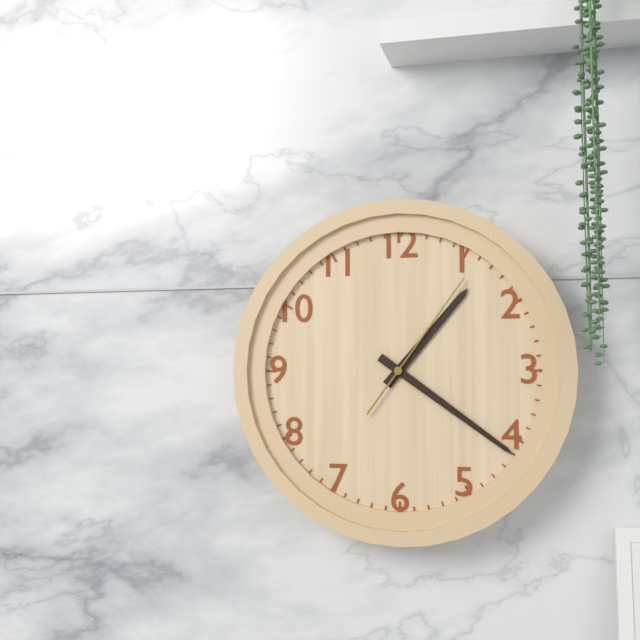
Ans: 1:21:06
